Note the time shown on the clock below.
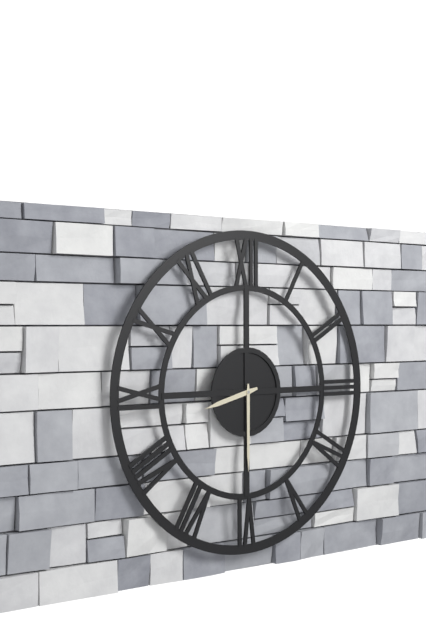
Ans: 8:30
